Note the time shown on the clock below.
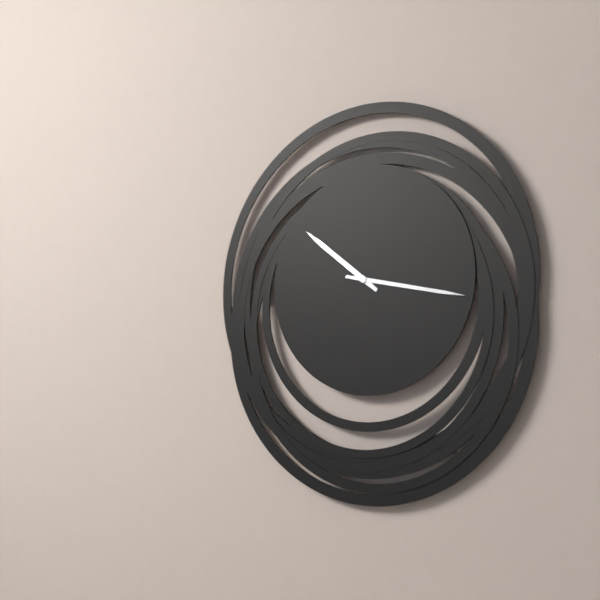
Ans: 10:17
